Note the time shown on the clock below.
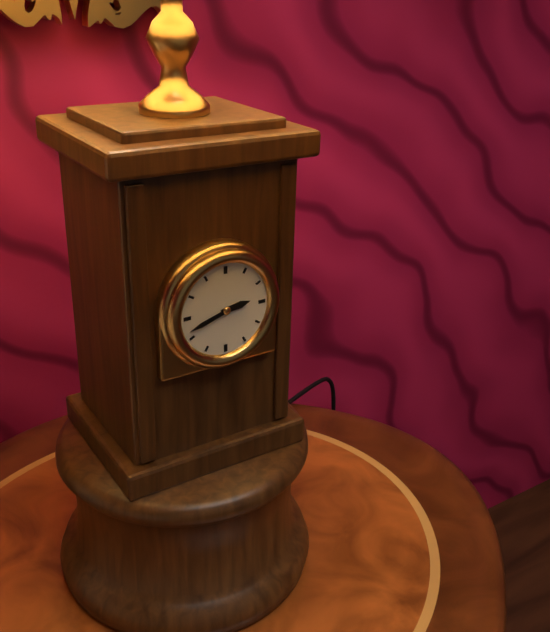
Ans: 2:42
